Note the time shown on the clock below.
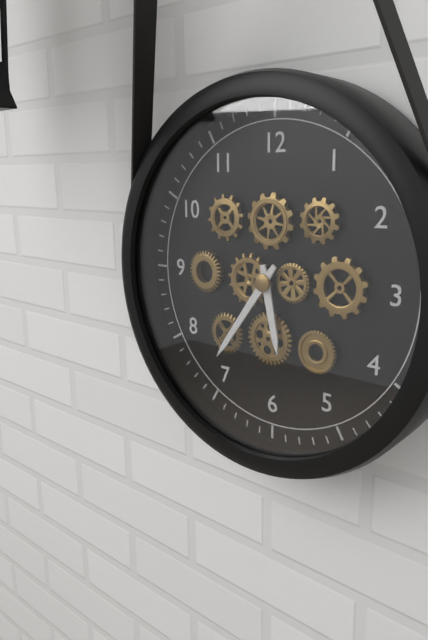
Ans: 5:36
